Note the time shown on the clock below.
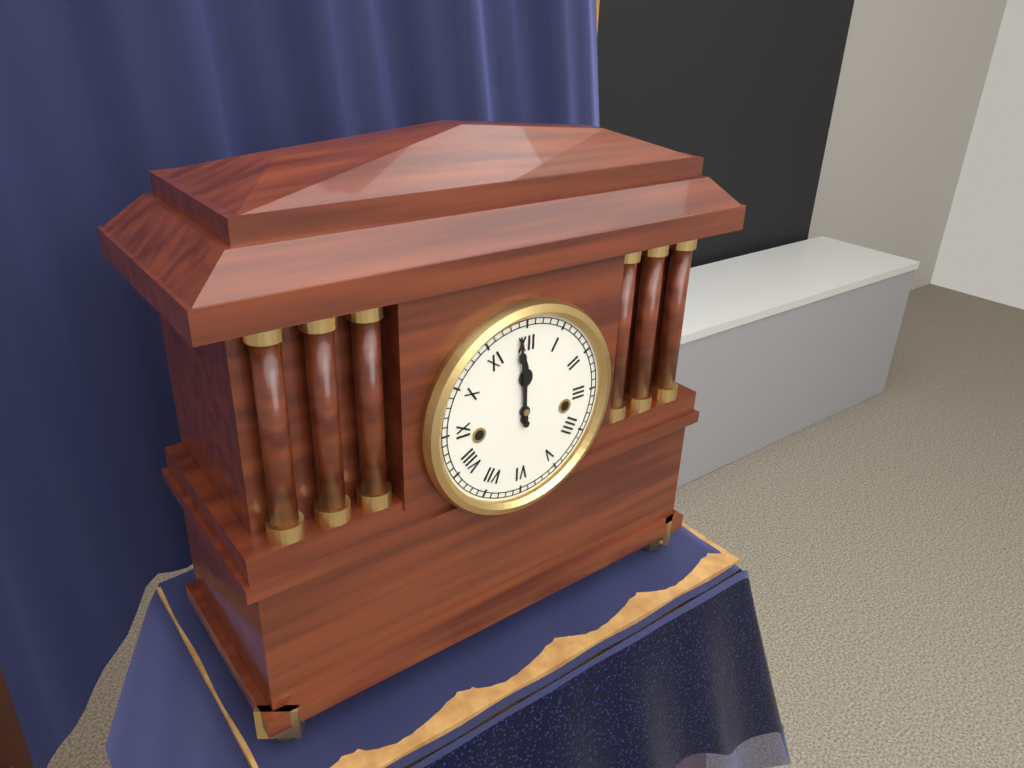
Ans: 11:59
